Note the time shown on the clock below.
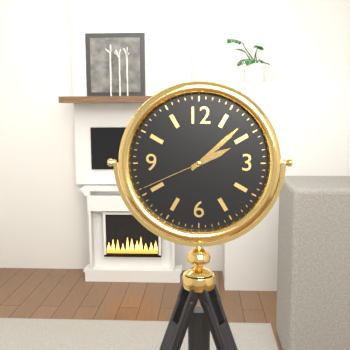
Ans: 2:08:41
